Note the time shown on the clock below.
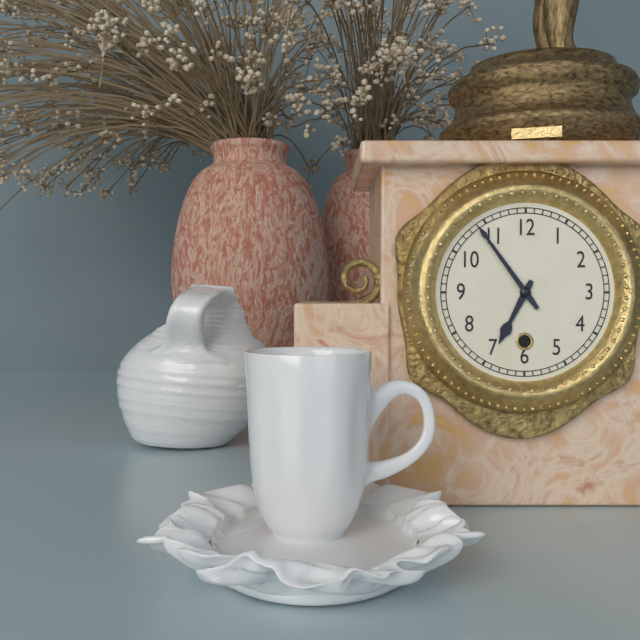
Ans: 6:54
